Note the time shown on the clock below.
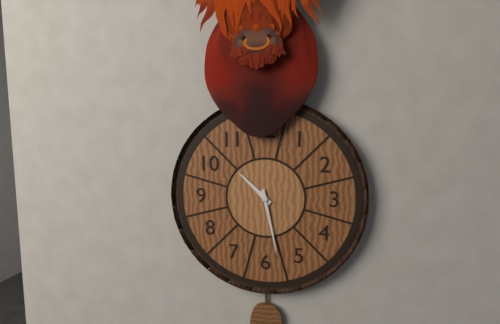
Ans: 10:28
